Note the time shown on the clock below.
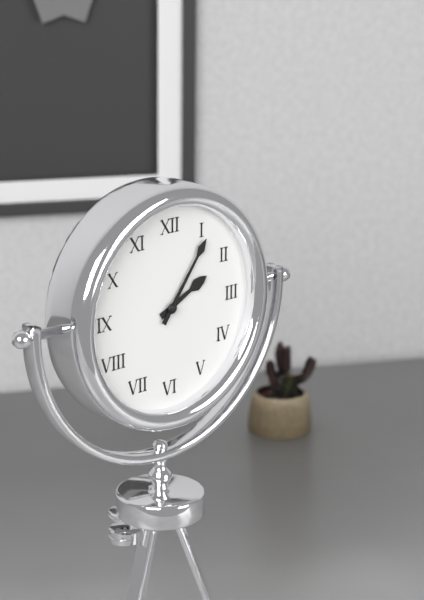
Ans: 2:06
